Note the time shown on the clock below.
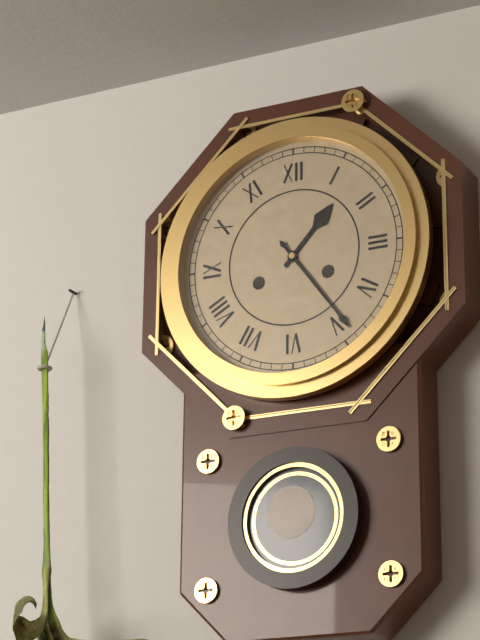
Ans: 1:24
